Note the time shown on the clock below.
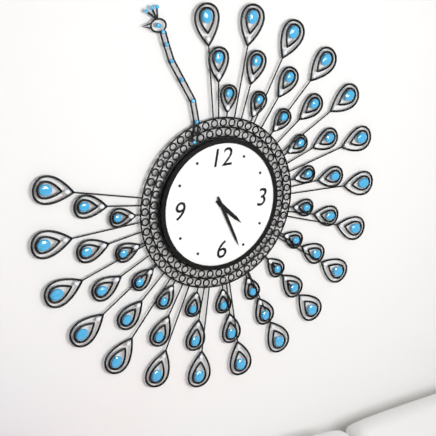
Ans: 4:26
